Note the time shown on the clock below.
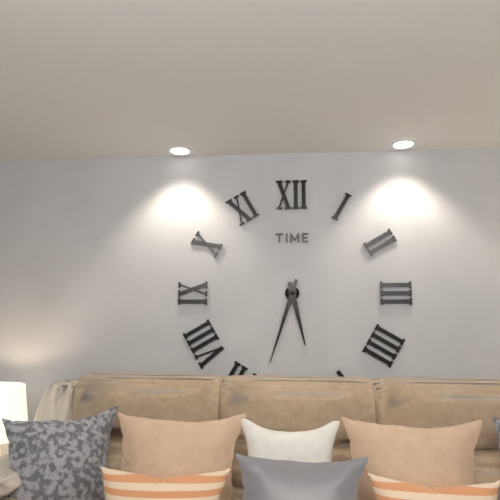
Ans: 5:33
